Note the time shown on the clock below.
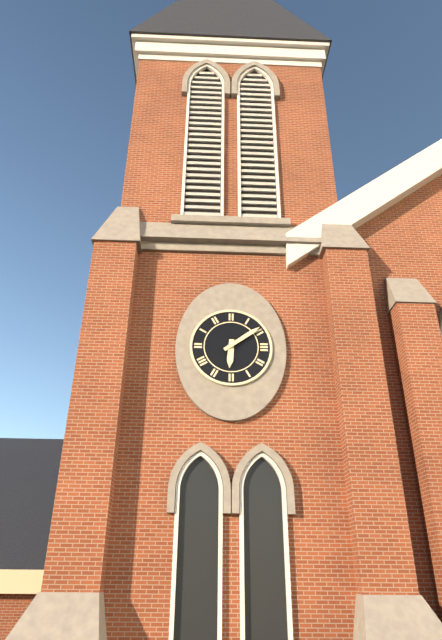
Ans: 6:09
